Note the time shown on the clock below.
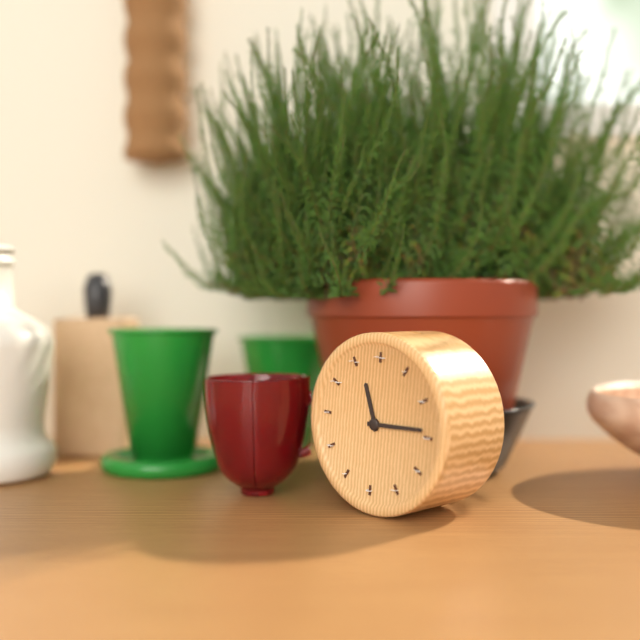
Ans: 11:14
